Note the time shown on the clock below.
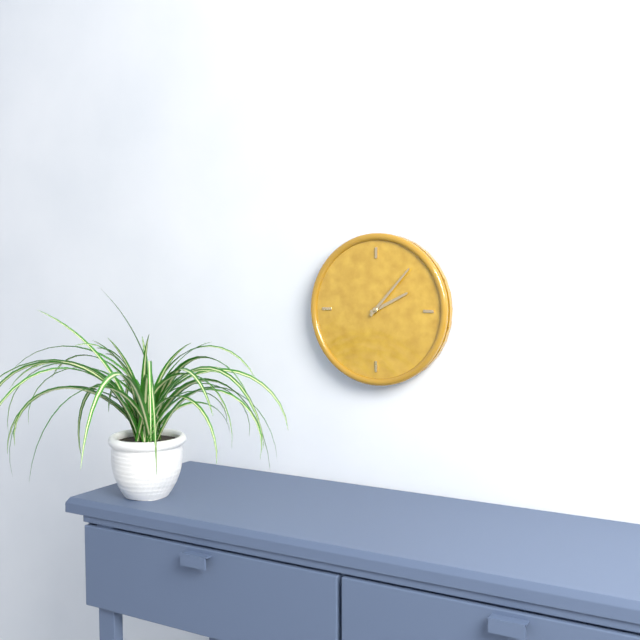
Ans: 2:07
